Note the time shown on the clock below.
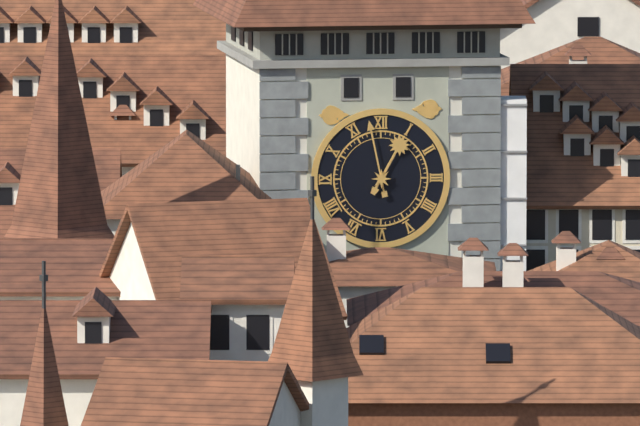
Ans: 12:58
